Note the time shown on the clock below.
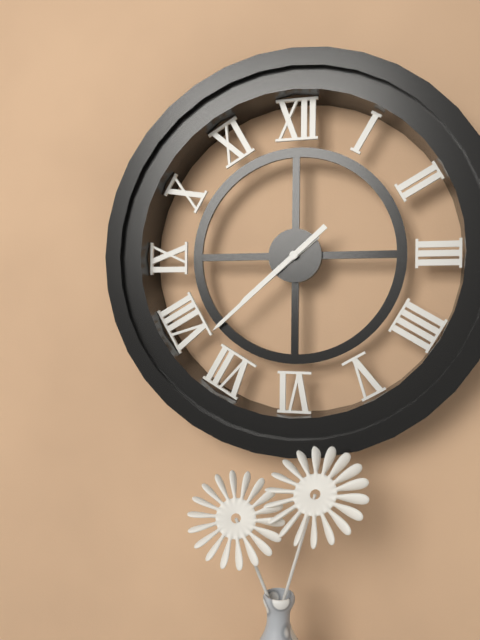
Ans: 7:38
